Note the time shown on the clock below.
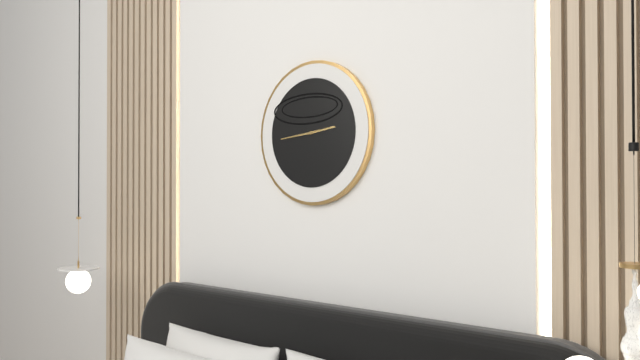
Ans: 2:44
